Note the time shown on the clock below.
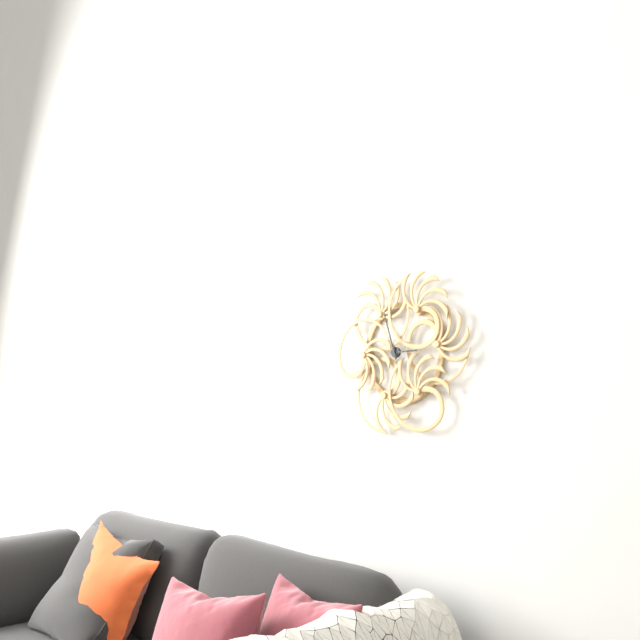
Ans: 2:57
